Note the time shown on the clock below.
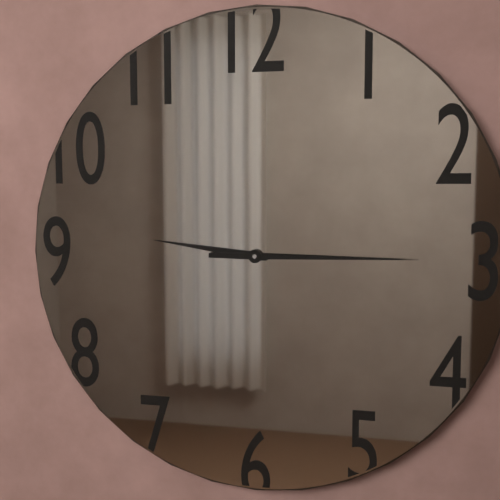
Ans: 9:15
